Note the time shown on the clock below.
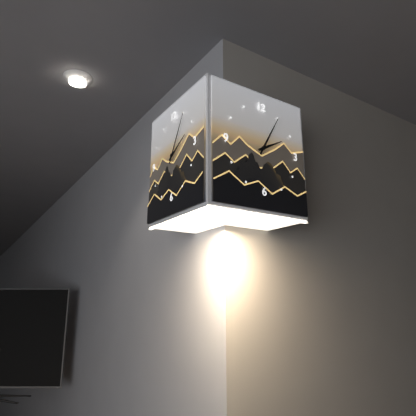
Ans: 2:05
